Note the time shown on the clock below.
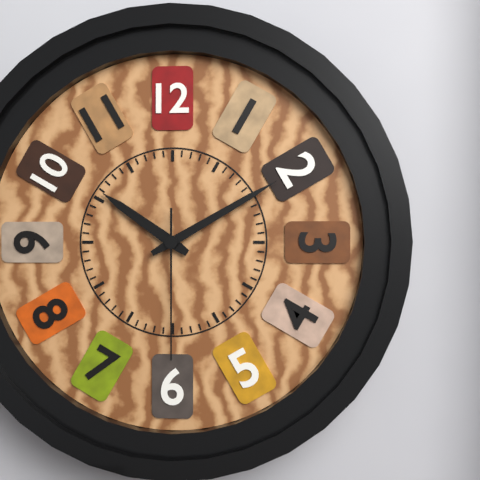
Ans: 10:10:30
